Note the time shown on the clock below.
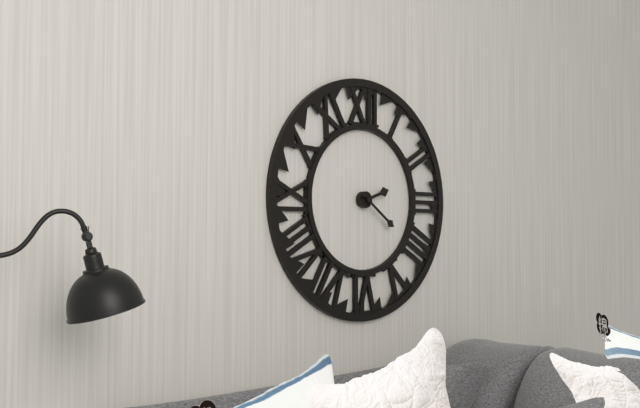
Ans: 2:21
